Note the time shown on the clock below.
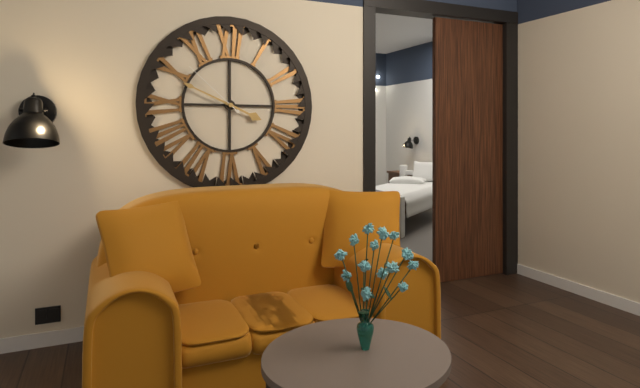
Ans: 3:49:52
